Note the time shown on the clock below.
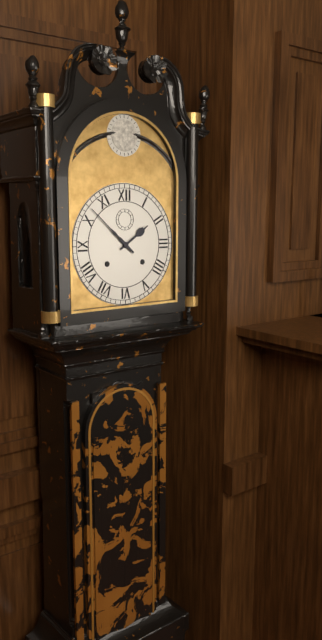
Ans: 1:52
